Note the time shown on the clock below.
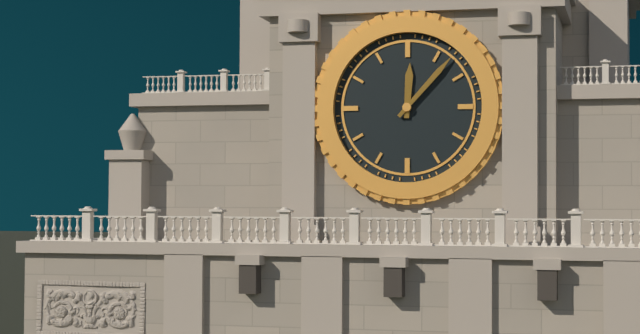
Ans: 12:07
